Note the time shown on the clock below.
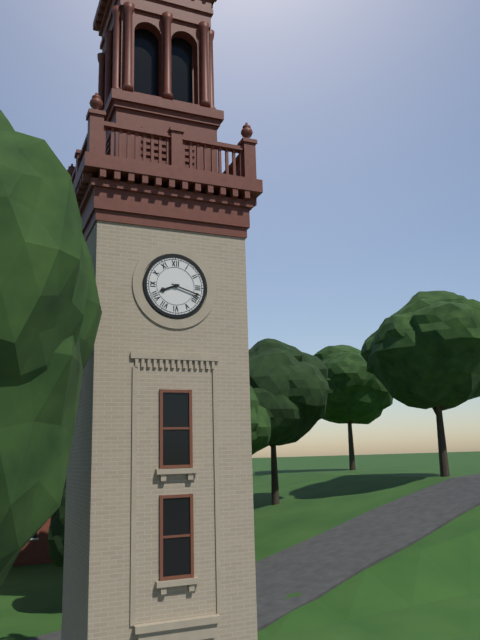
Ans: 8:18
